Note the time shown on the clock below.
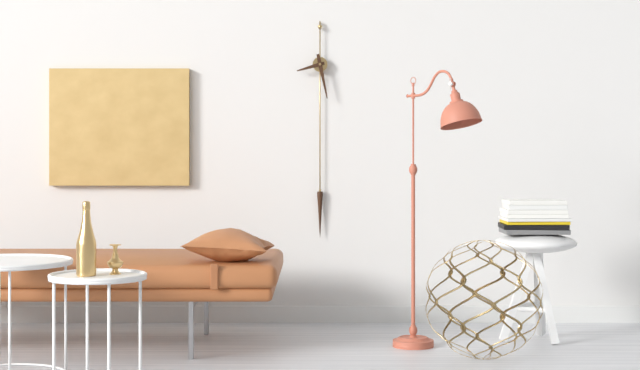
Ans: 8:28
